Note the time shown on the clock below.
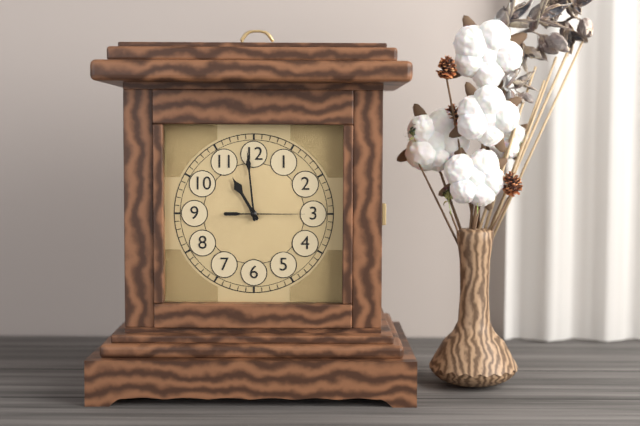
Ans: 10:59:15
